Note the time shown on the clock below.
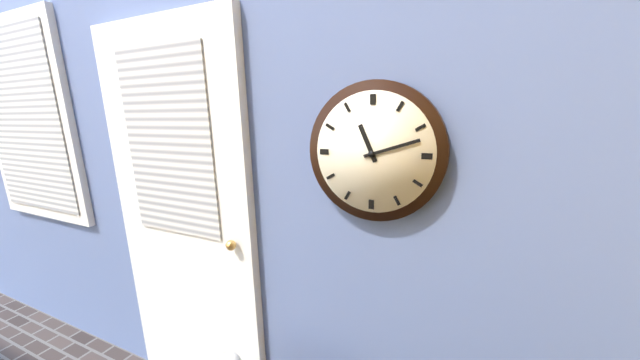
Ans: 11:12
